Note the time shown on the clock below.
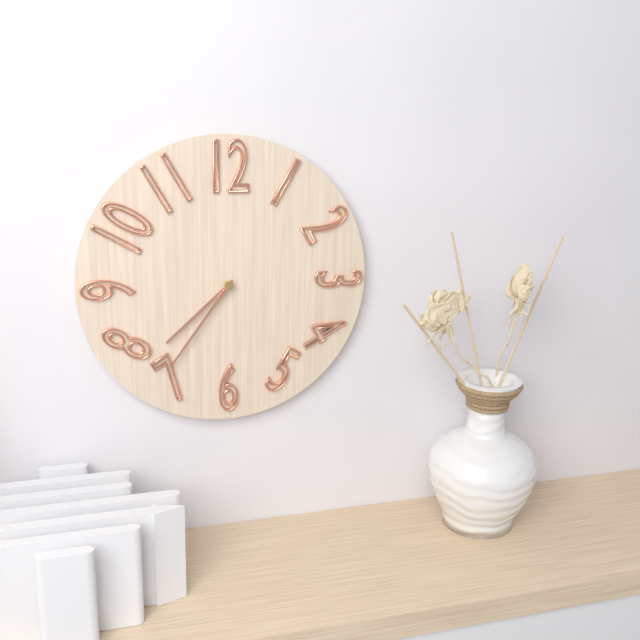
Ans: 7:36
